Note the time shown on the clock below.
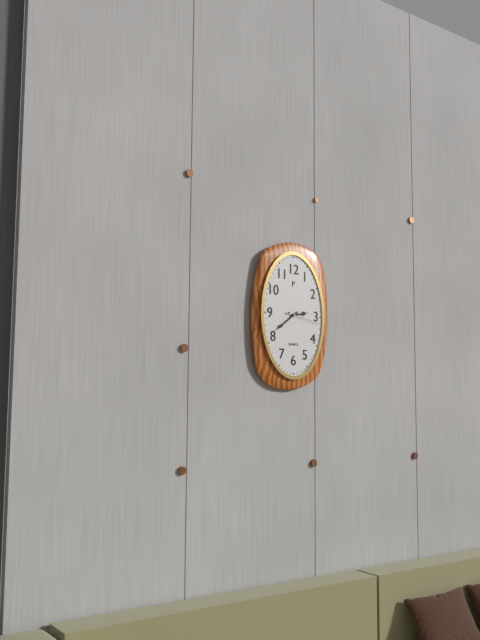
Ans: 2:39
